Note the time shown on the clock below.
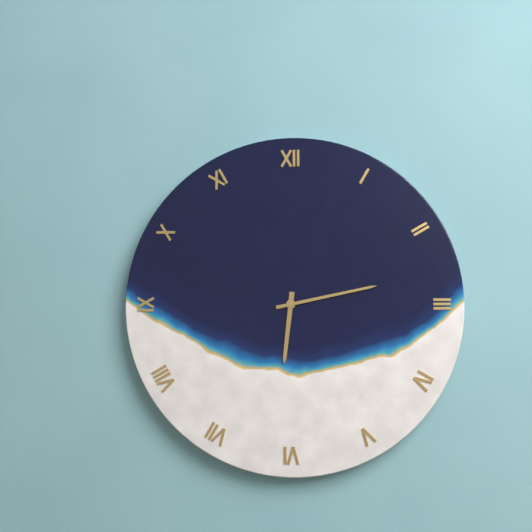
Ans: 6:13
